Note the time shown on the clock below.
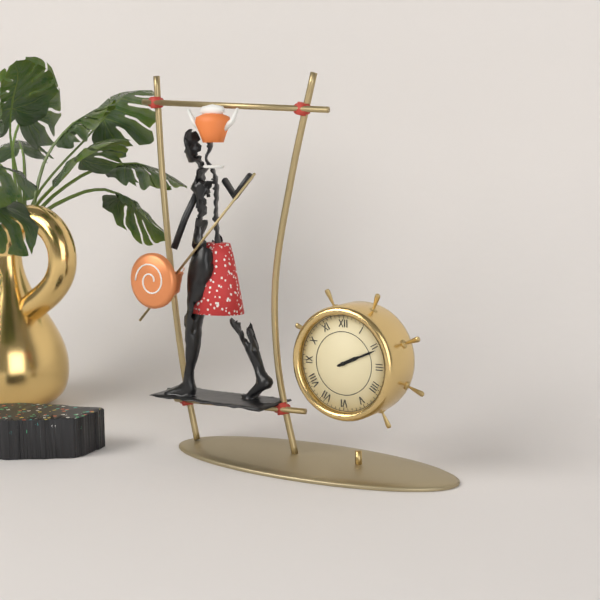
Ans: 2:11
